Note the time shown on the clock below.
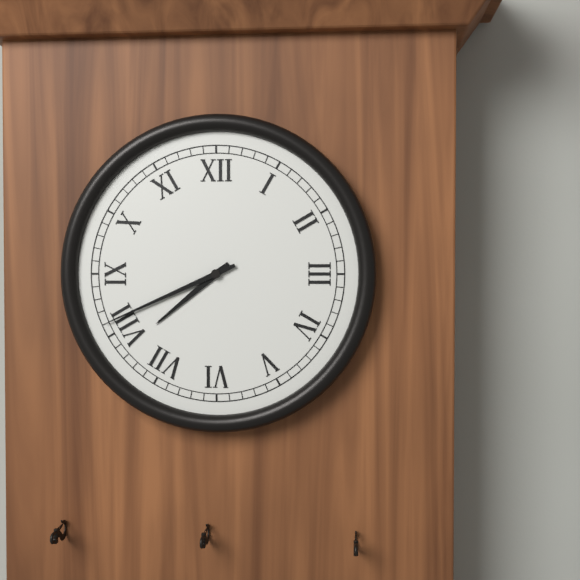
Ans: 7:41
